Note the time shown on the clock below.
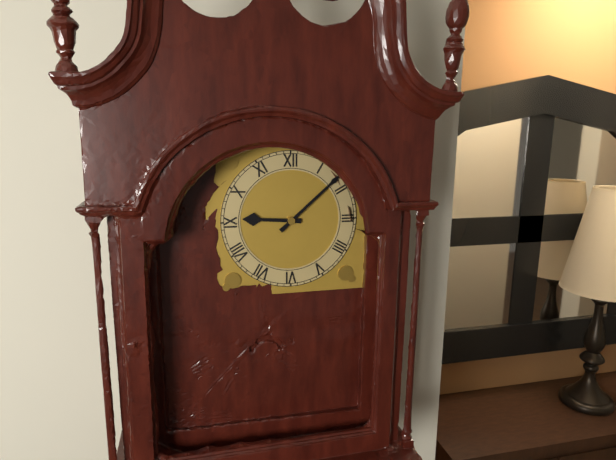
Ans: 9:08
